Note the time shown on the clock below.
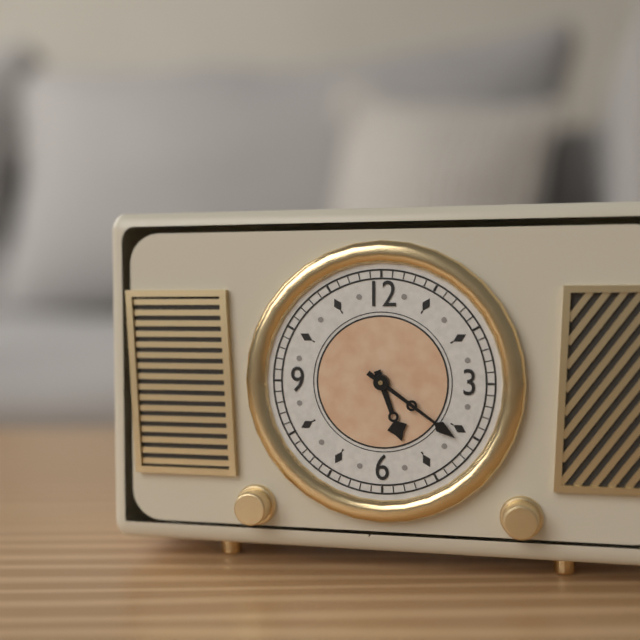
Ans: 5:21
